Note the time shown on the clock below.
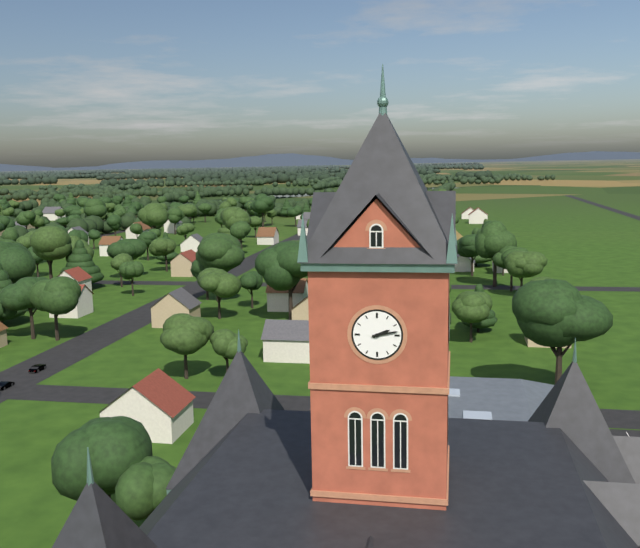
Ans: 2:13
